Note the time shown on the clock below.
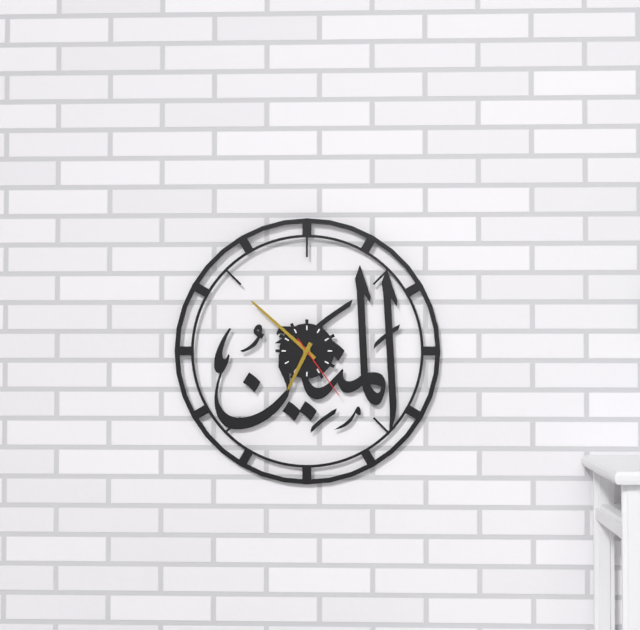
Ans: 6:52:24
